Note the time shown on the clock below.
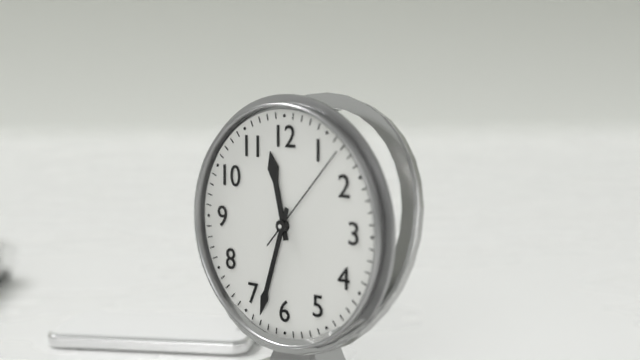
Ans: 11:33:07
